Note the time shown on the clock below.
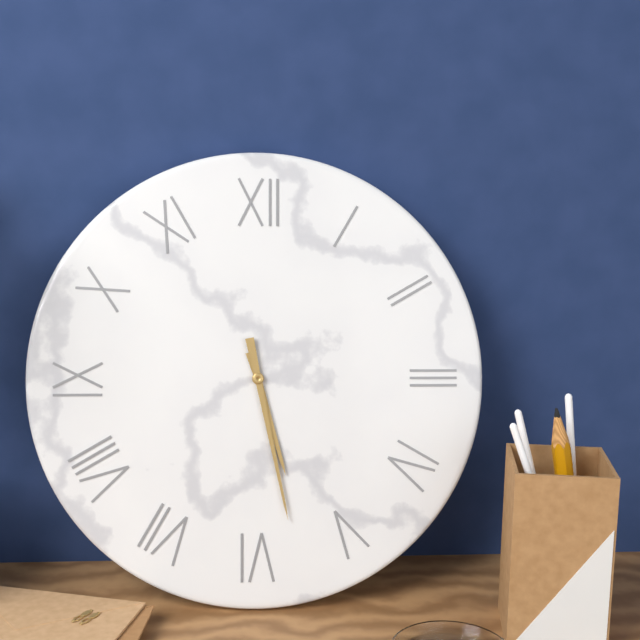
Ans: 5:28
